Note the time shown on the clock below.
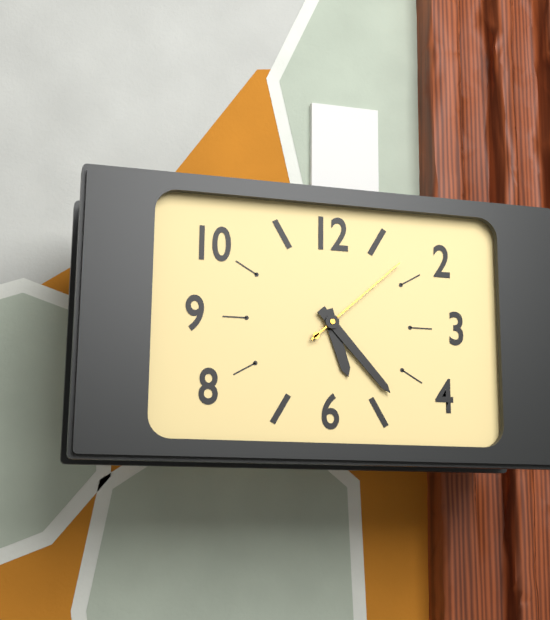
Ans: 5:23:08
